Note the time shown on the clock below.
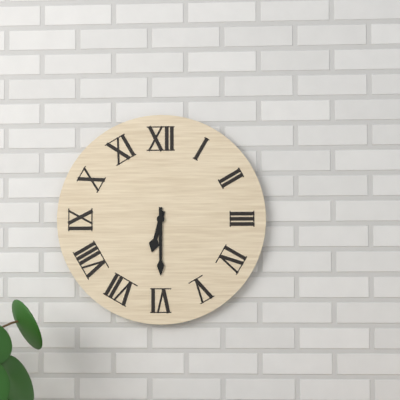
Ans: 6:30
